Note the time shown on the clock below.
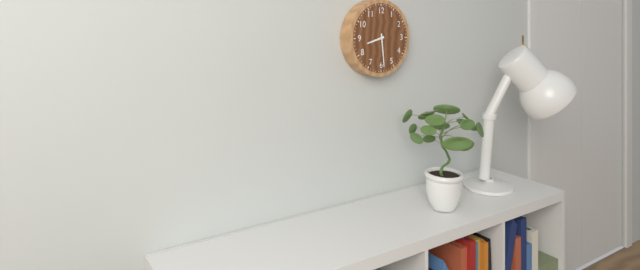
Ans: 8:29
